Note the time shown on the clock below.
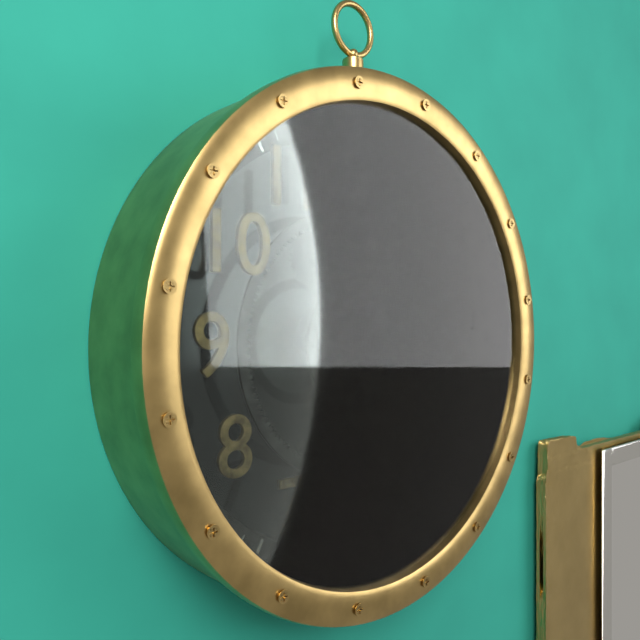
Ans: 11:16
